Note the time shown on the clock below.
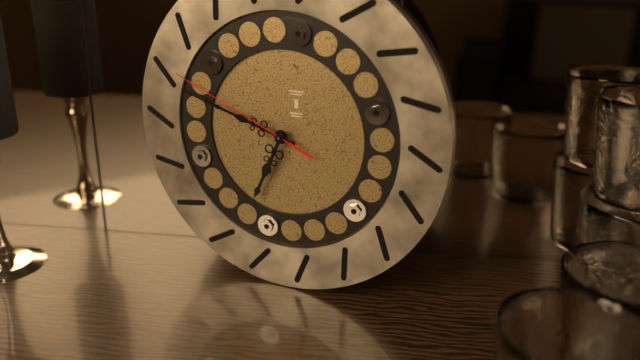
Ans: 6:48:49
